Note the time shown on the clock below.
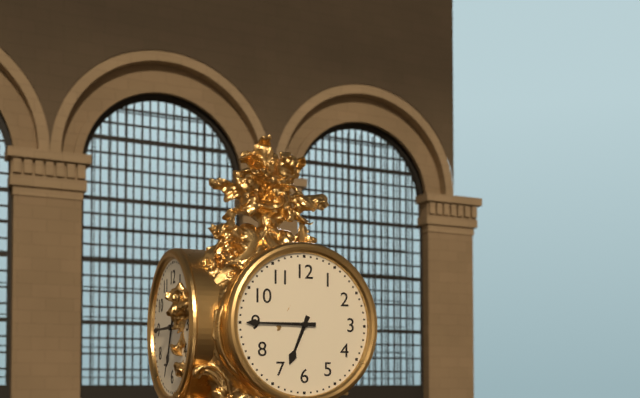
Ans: 6:45
